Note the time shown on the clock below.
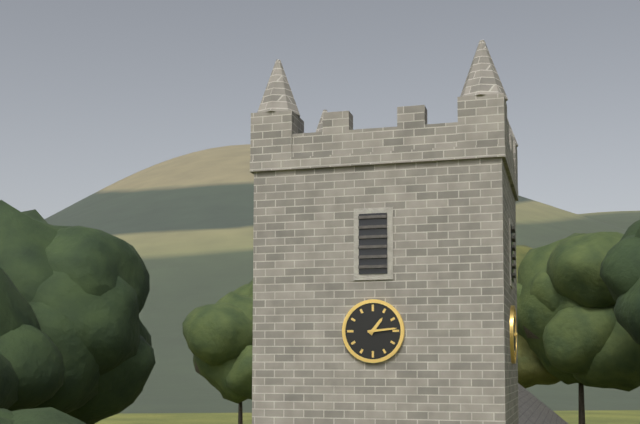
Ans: 1:14
